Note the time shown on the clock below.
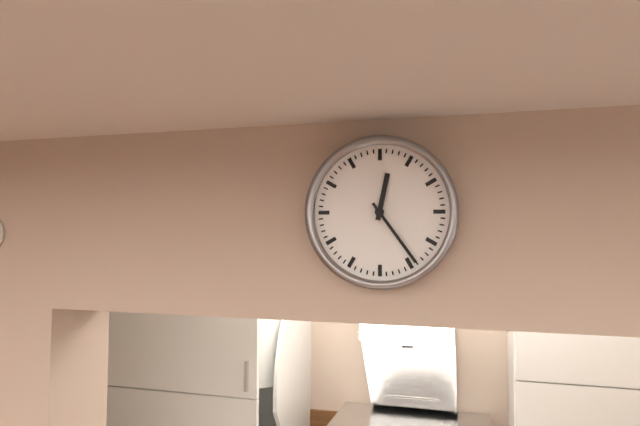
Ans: 12:24
